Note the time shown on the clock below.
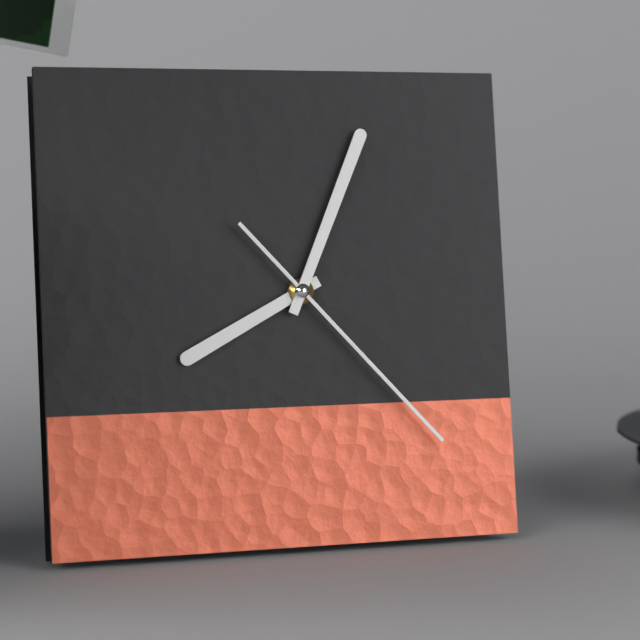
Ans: 8:04:23
